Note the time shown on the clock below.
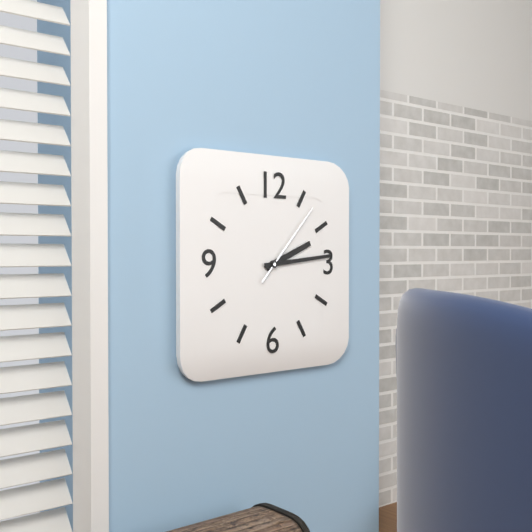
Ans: 2:14:07
